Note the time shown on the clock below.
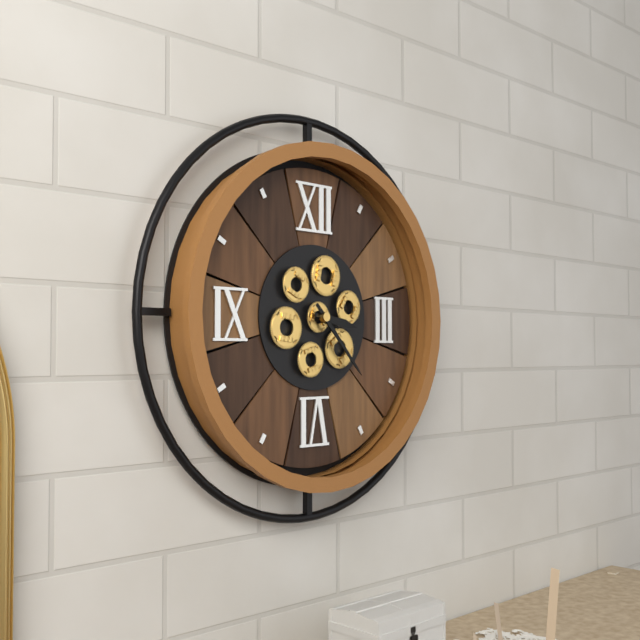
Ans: 3:23
